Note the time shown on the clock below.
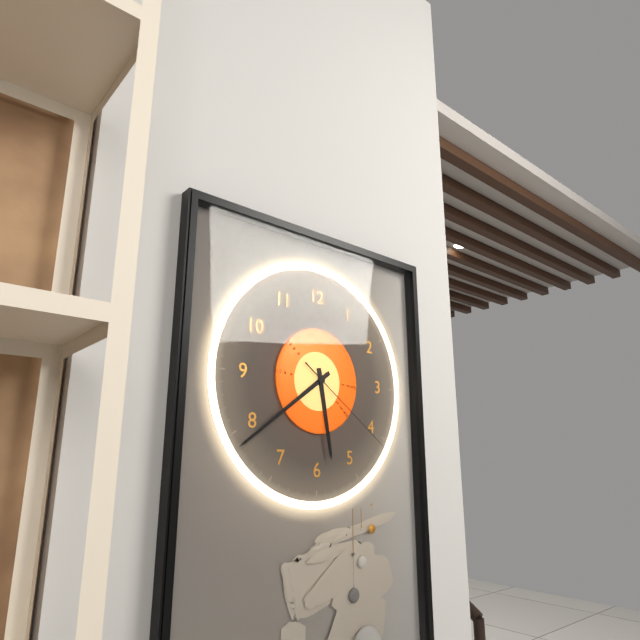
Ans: 5:39:21
